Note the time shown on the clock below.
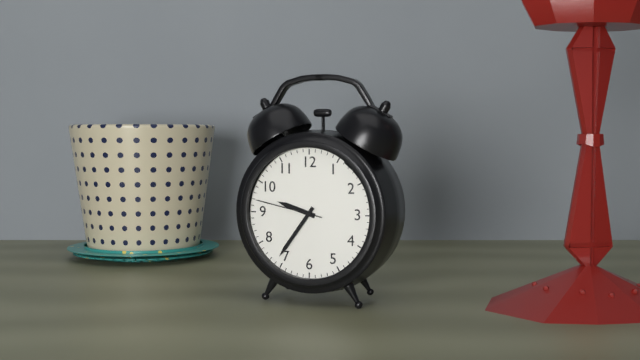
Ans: 9:36:47
